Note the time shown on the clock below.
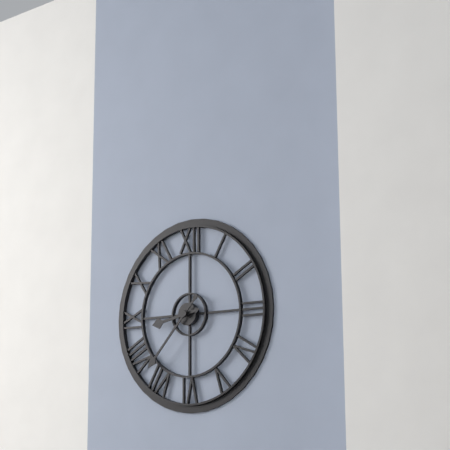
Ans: 8:37
